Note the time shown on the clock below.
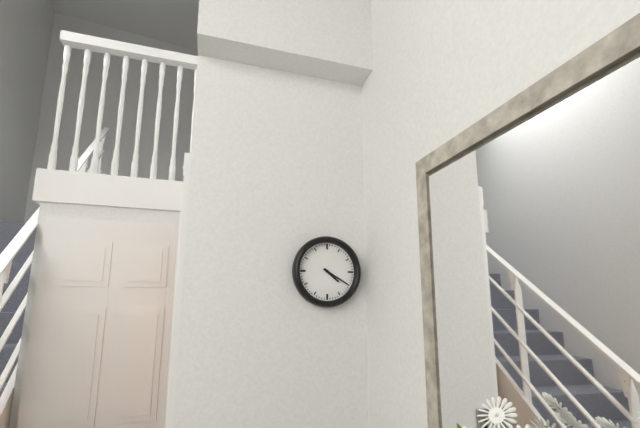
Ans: 4:20
